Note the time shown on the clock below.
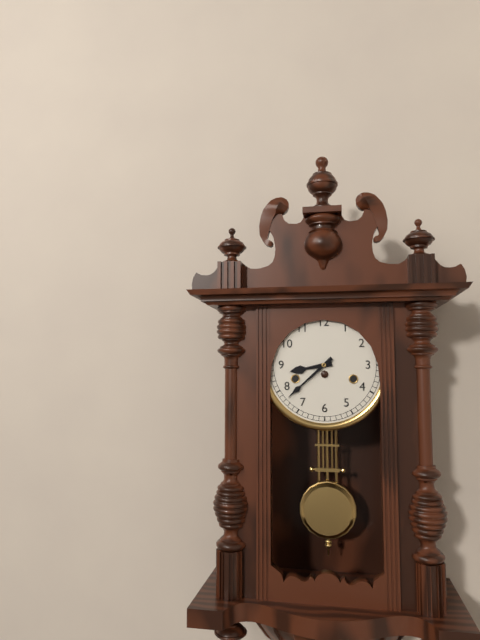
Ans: 8:38
